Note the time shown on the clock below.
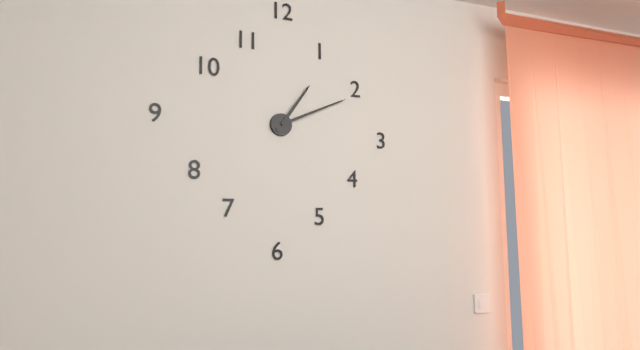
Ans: 1:11
